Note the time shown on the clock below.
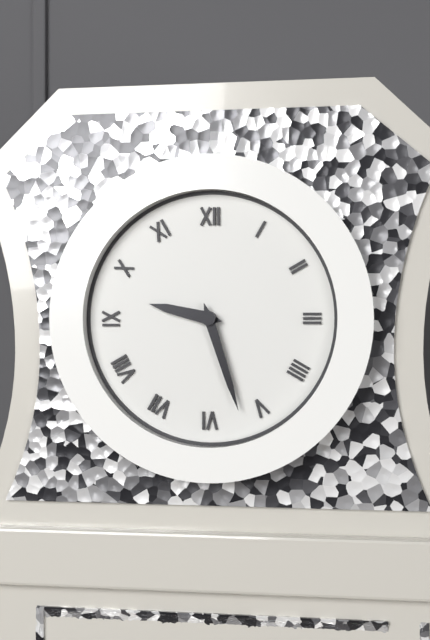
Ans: 9:27
